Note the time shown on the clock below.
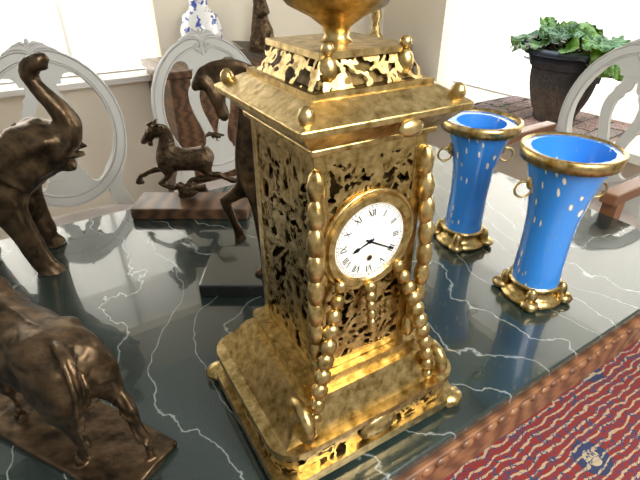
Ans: 8:20
